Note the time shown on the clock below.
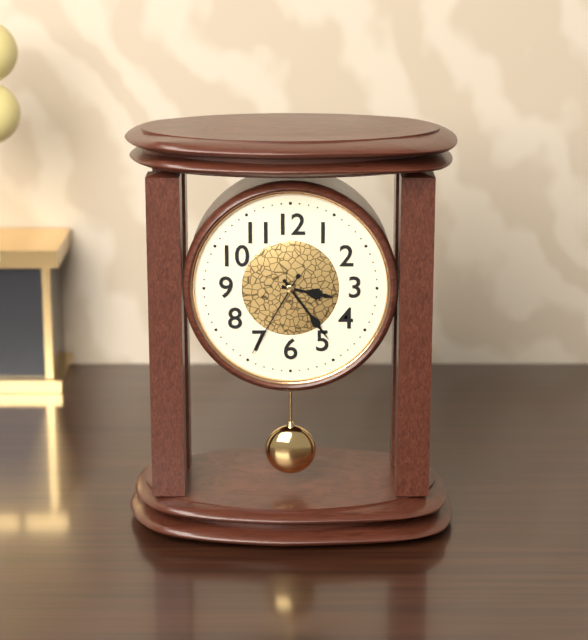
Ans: 3:24:35
